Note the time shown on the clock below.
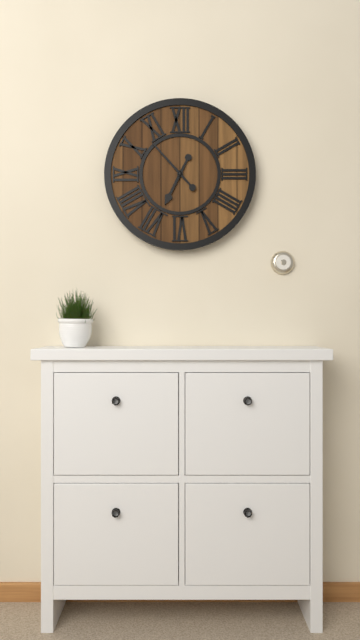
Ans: 6:53
